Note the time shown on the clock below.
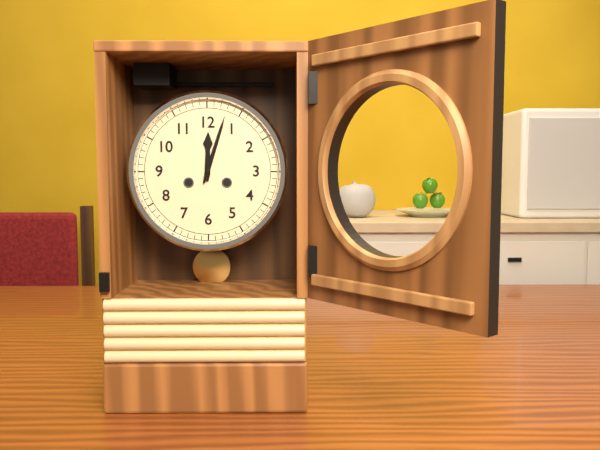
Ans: 12:03
